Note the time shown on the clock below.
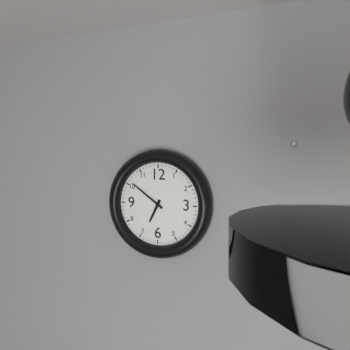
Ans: 6:51
